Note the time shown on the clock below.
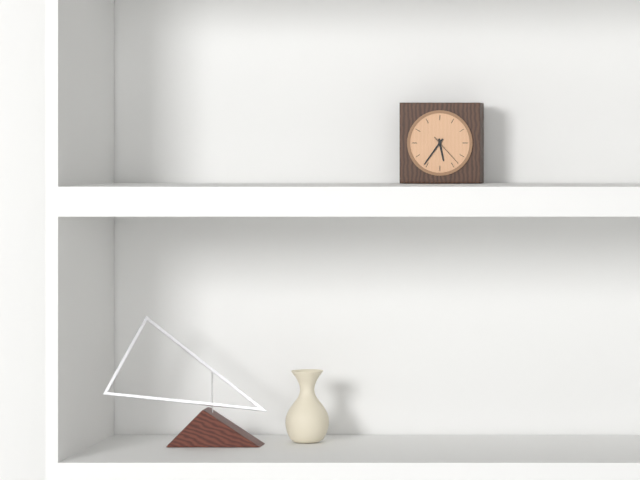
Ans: 5:36
